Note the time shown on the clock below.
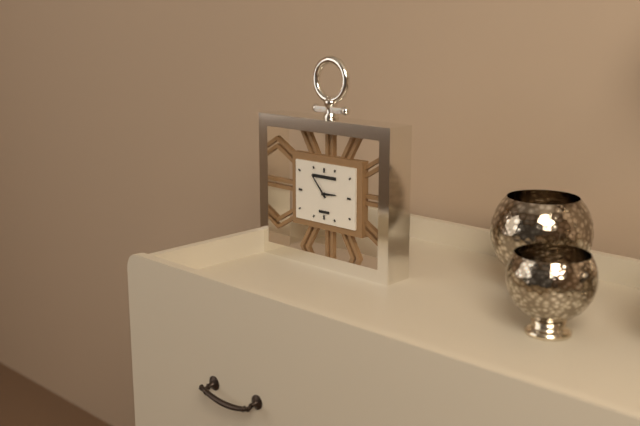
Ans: 2:53
